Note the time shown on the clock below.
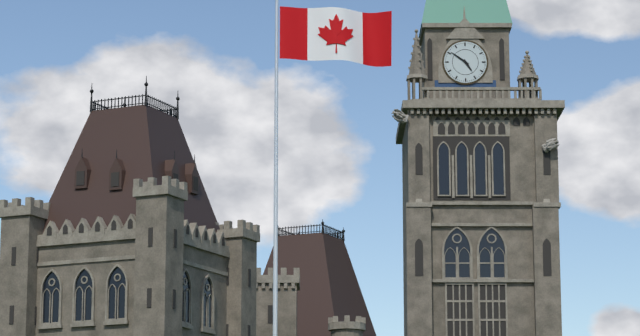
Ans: 4:51
